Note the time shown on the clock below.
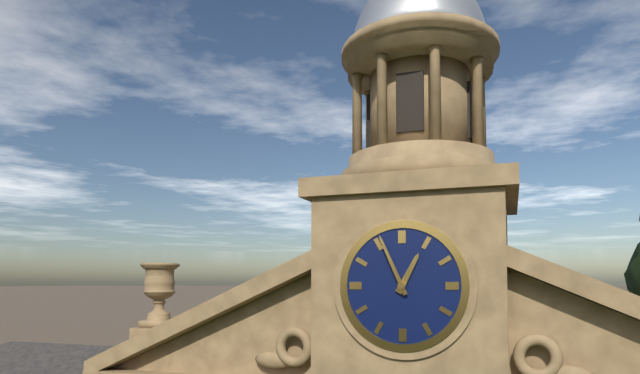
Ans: 12:56
